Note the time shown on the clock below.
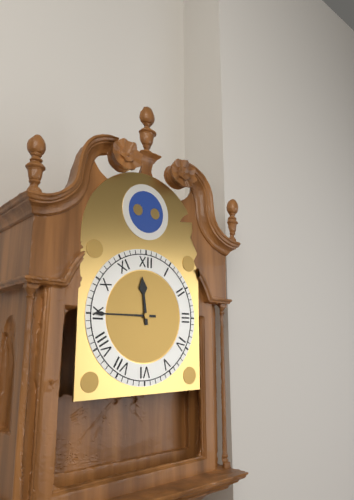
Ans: 11:45
